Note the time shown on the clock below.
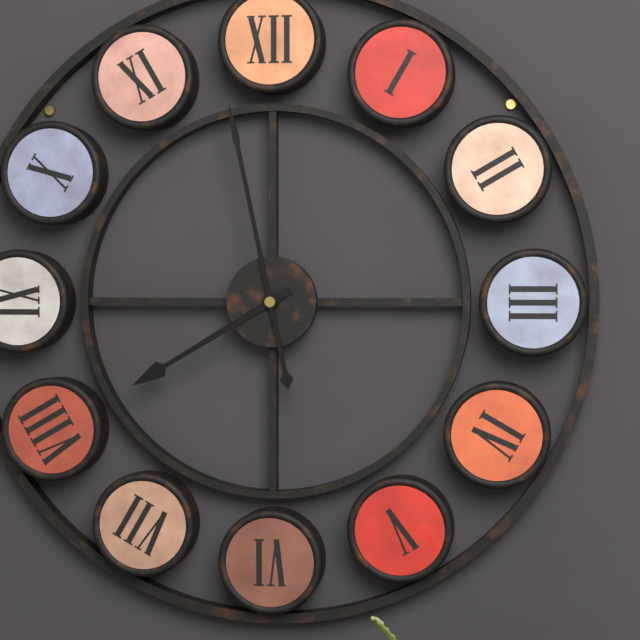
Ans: 7:58
